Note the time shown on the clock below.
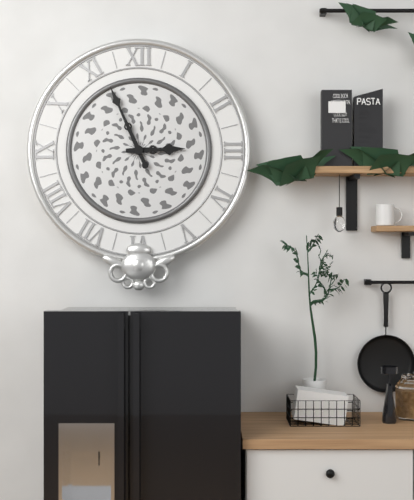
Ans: 2:56
